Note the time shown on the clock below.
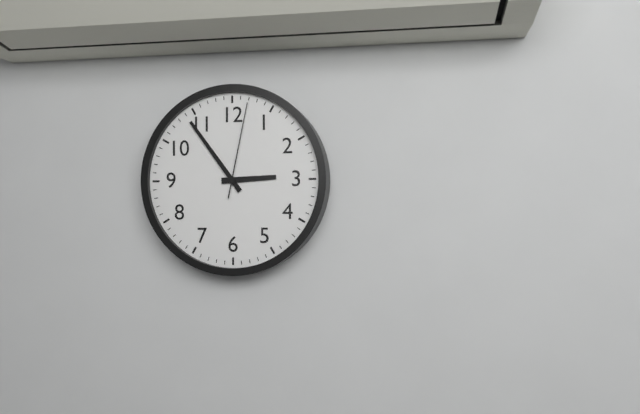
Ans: 2:54:02
